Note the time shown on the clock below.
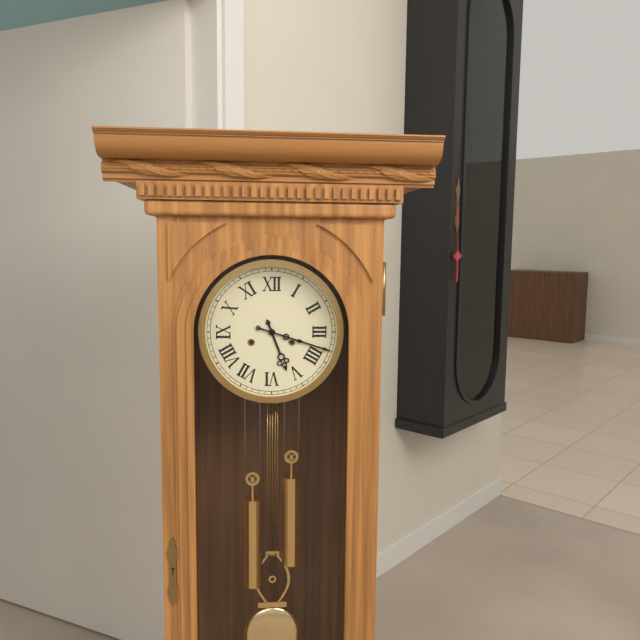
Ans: 5:18
